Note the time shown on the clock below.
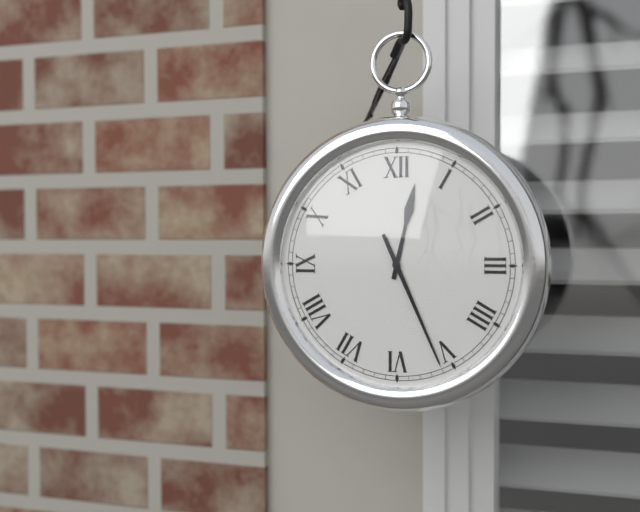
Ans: 12:26
